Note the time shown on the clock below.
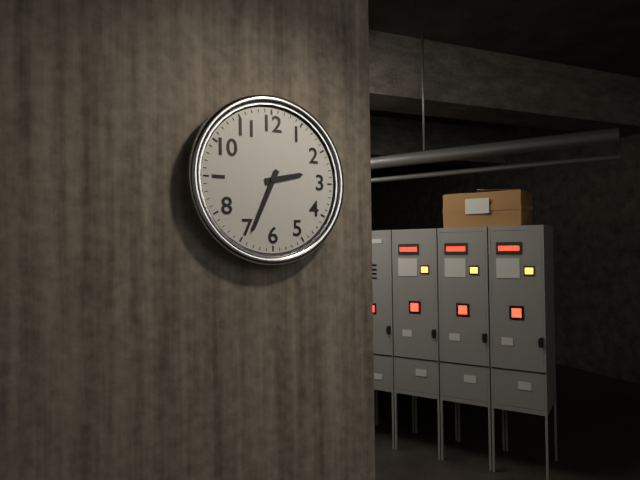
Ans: 2:34
